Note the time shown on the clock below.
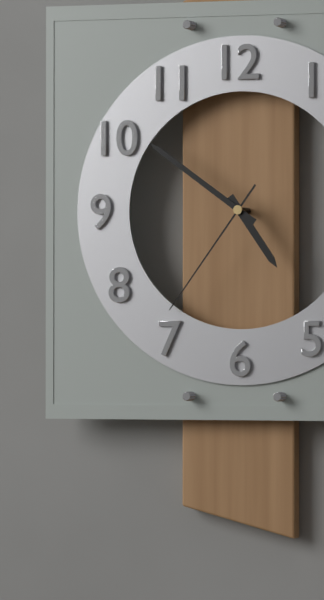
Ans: 4:51:36
